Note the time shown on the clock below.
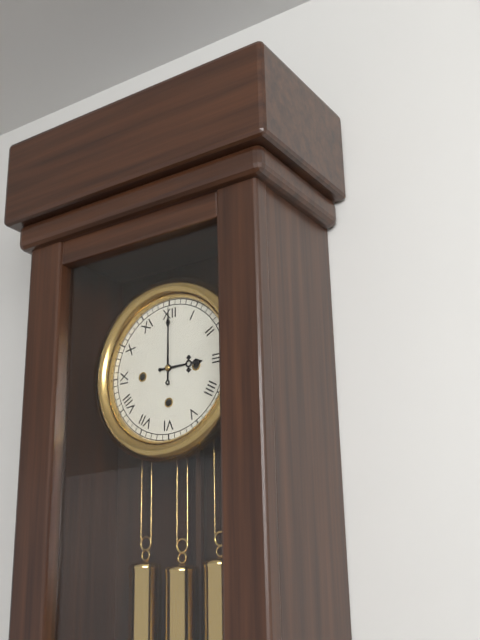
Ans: 3:00
